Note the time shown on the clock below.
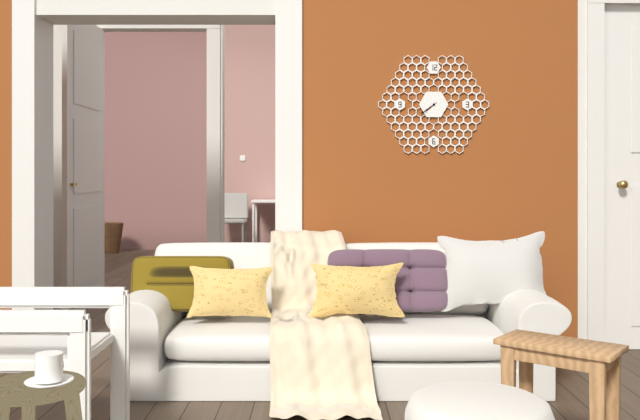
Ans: 7:39
